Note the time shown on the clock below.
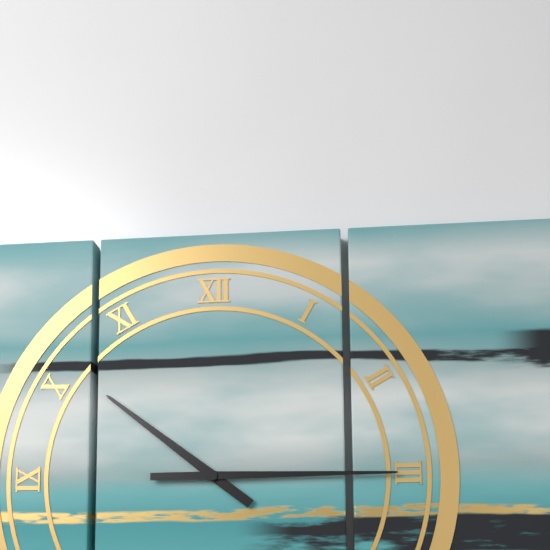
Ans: 10:15
